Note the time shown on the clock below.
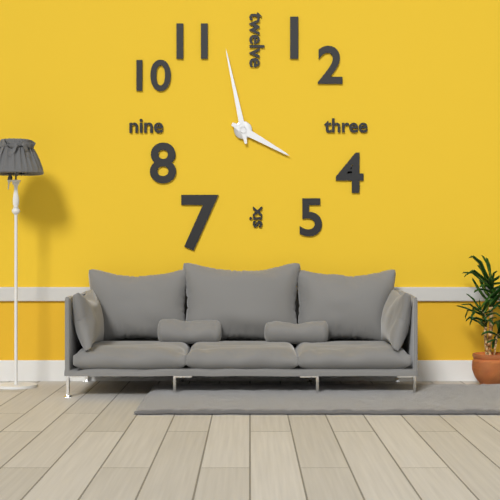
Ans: 3:58
